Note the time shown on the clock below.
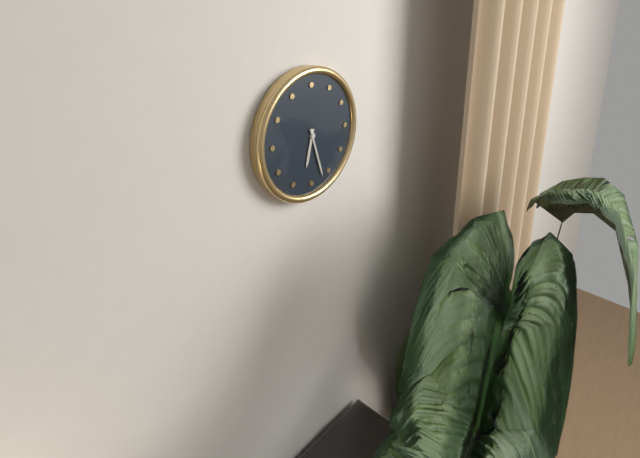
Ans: 6:27
